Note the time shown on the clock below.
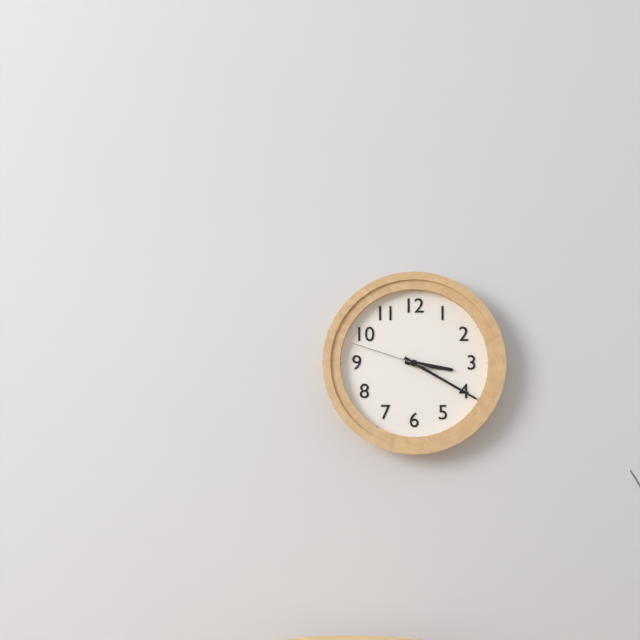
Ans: 3:20:48
